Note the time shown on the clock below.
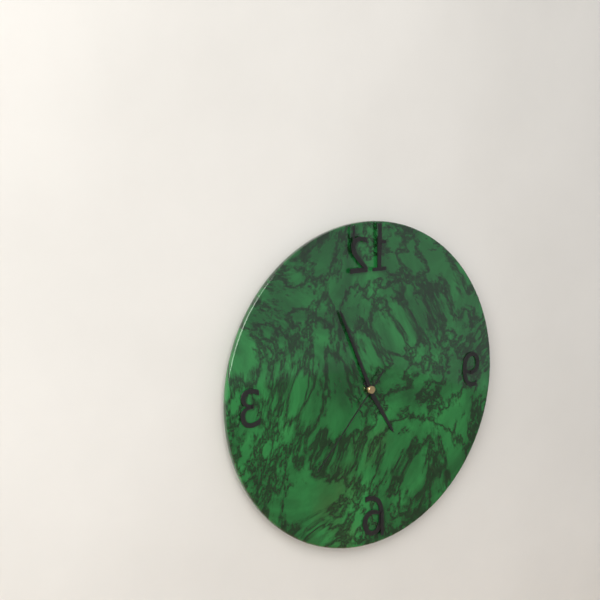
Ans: 4:56:37
